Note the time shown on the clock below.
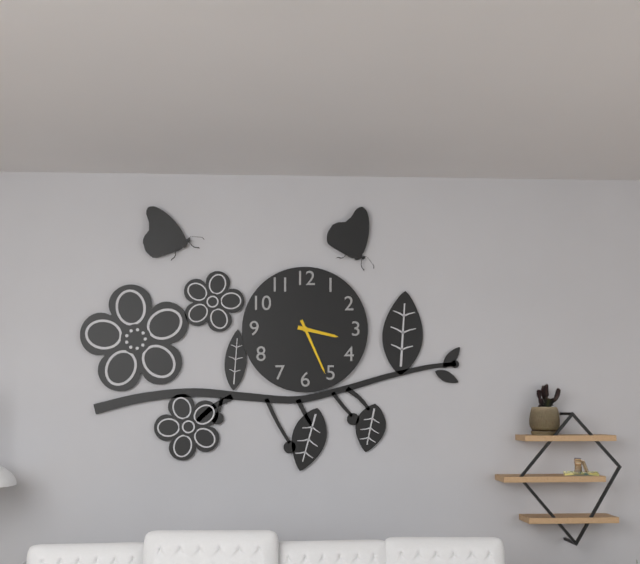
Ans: 3:26
